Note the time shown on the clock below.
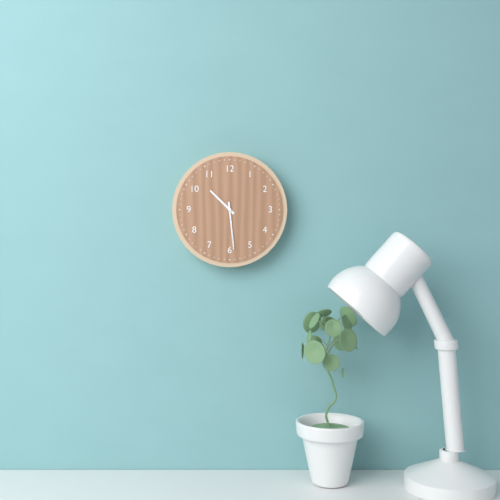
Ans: 10:29
